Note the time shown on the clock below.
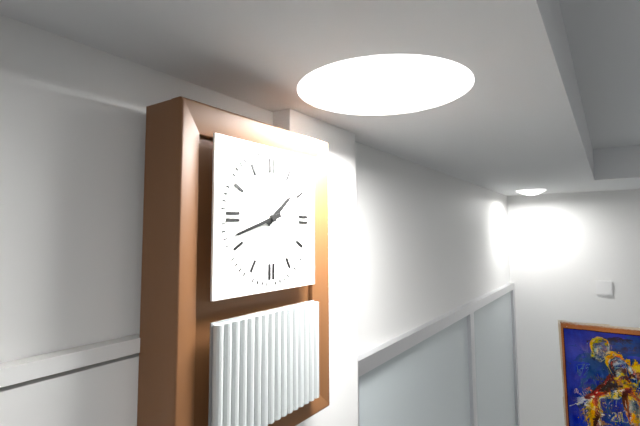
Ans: 1:42
